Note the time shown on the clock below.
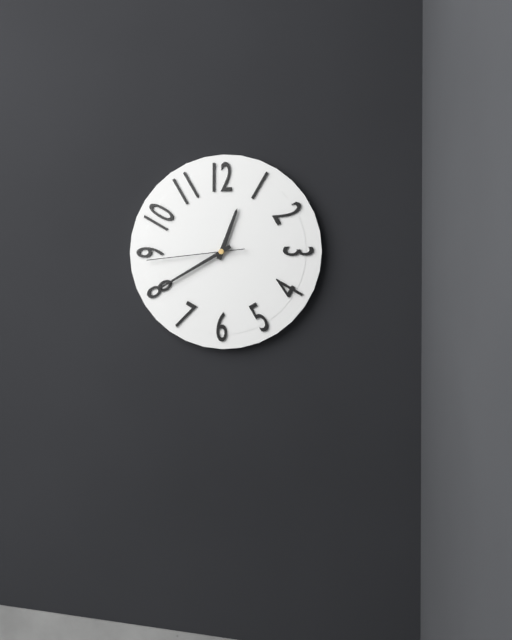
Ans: 12:40:44
